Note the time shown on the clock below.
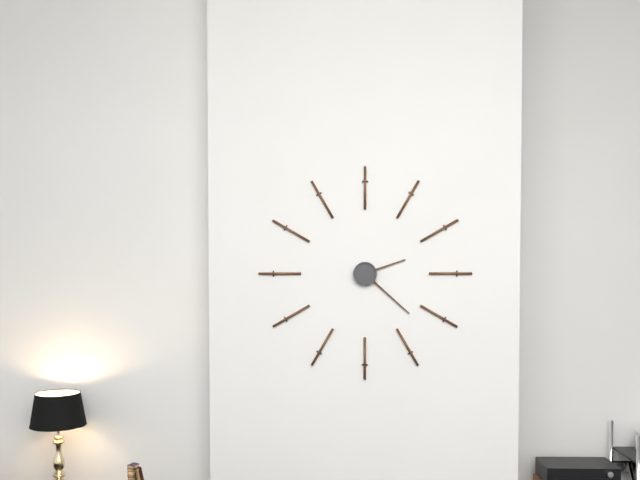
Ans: 2:22
